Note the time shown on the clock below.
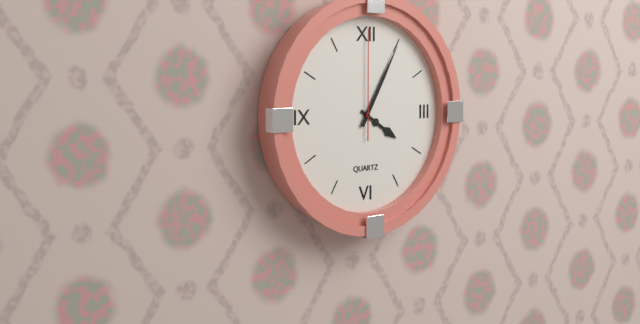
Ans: 4:05:00
